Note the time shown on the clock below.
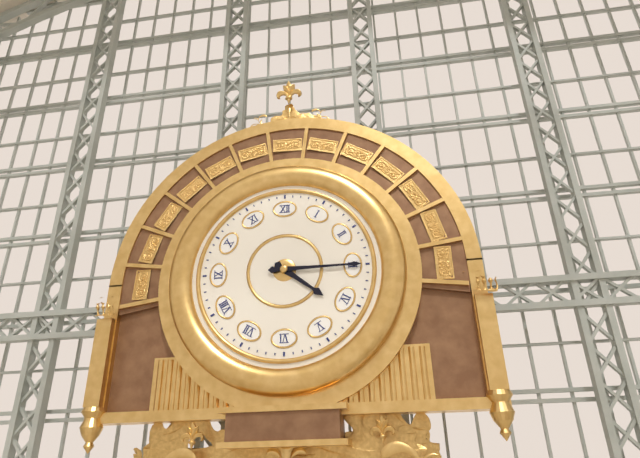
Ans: 4:15
